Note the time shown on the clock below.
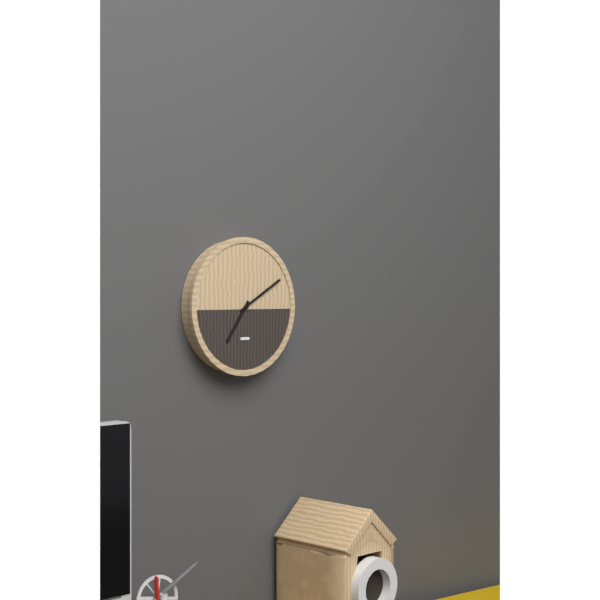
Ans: 7:10
